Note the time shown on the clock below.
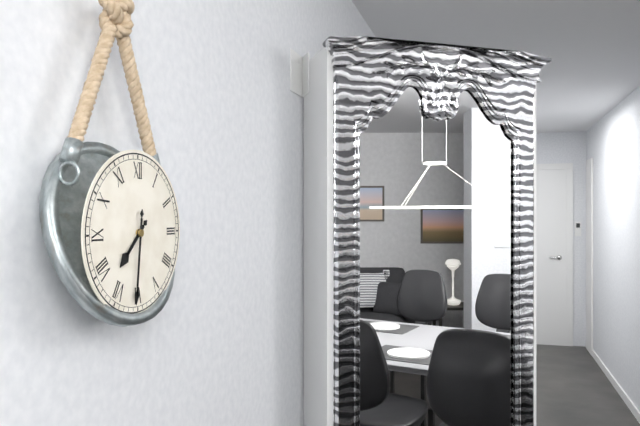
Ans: 7:31
